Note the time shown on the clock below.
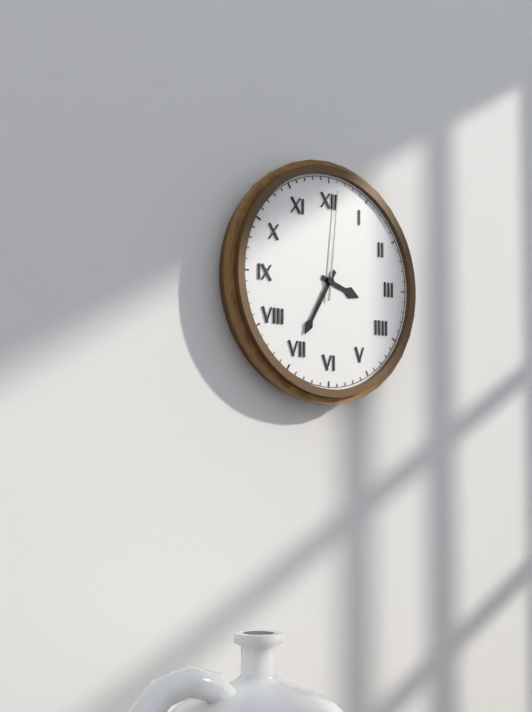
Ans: 3:35:01
